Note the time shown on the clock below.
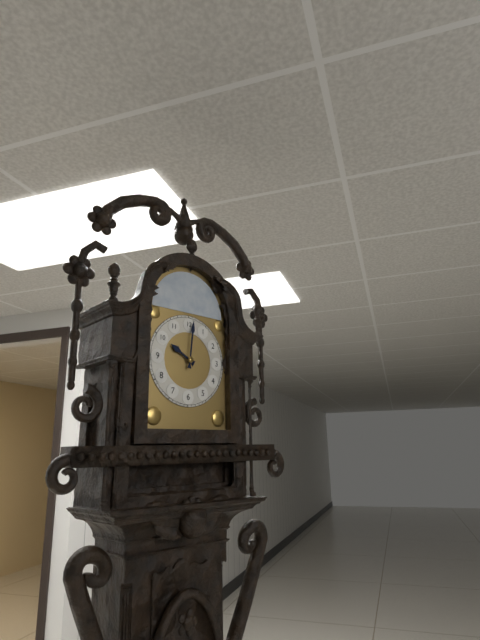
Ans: 10:01
